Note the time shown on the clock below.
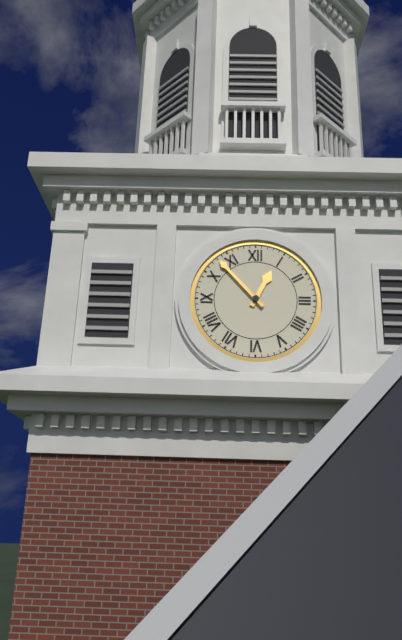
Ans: 12:53
